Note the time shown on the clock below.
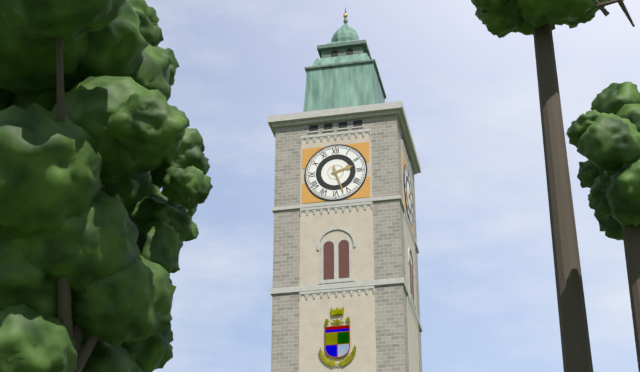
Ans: 2:27
